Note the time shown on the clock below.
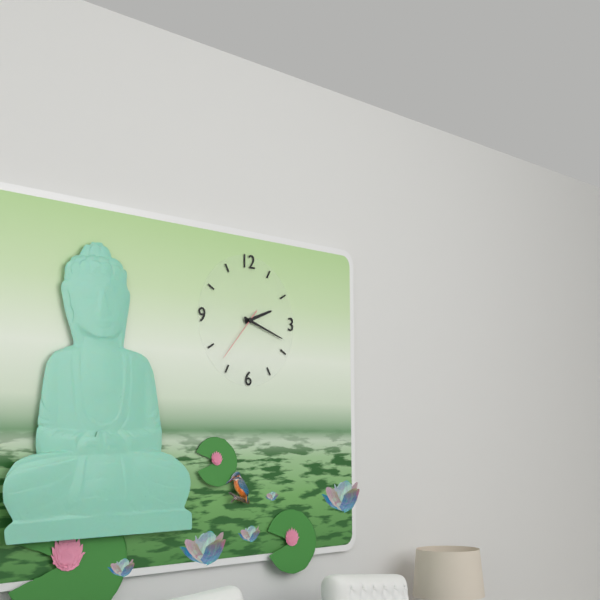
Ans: 2:18:37
